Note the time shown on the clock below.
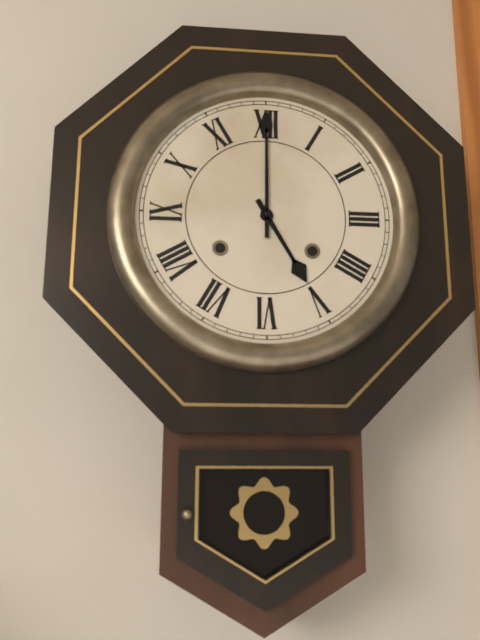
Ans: 5:00
